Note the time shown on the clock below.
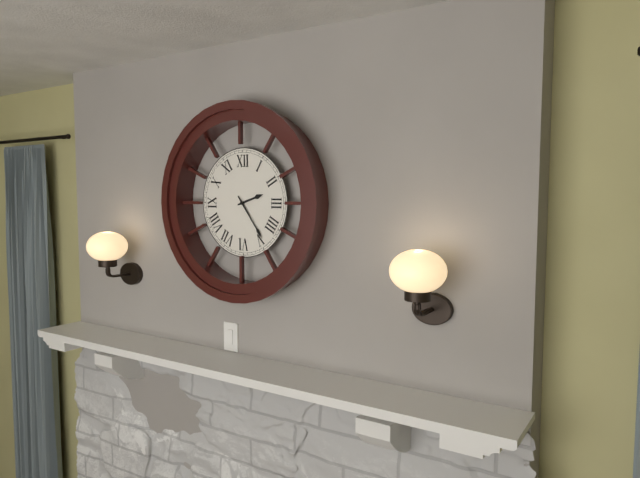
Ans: 2:24
